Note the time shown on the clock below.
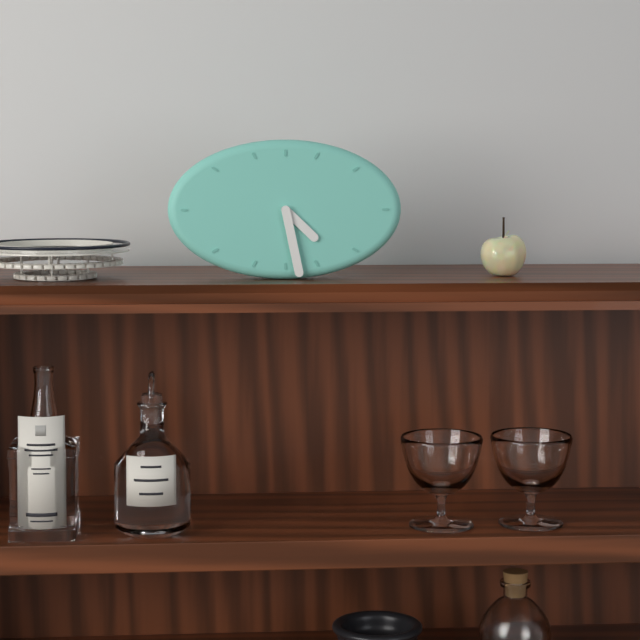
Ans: 4:28
